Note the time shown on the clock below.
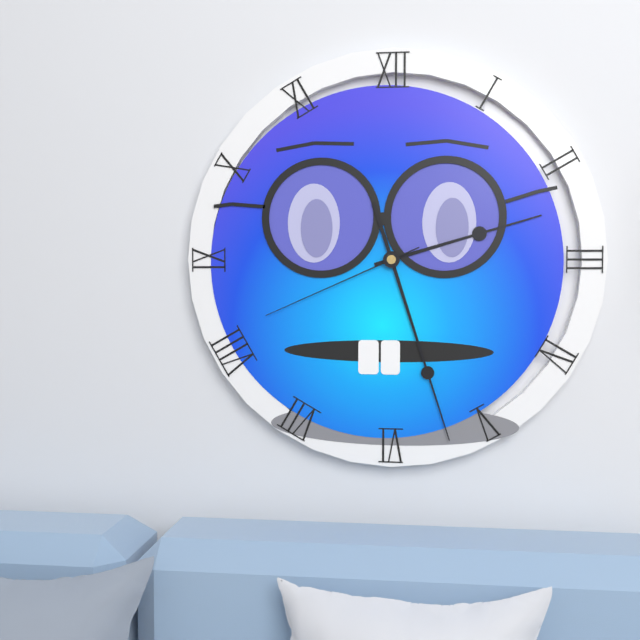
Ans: 2:27:41
